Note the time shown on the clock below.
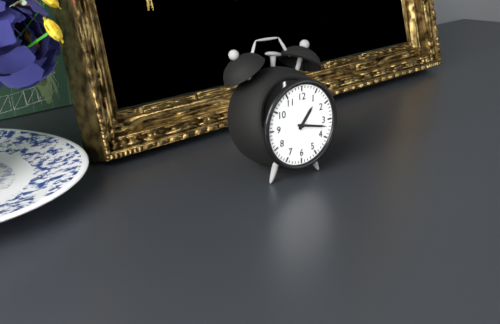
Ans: 1:17
